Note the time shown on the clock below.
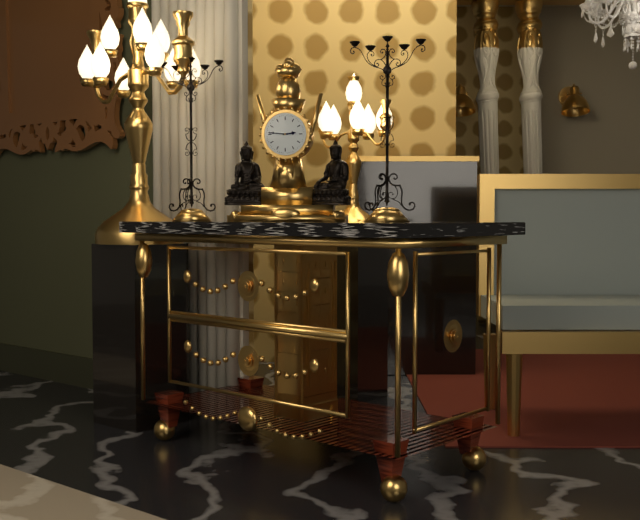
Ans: 2:46
